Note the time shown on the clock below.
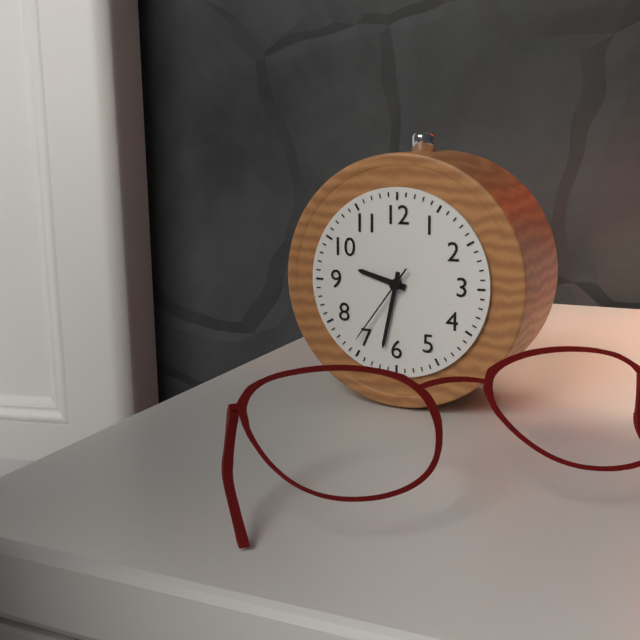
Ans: 9:32:36
